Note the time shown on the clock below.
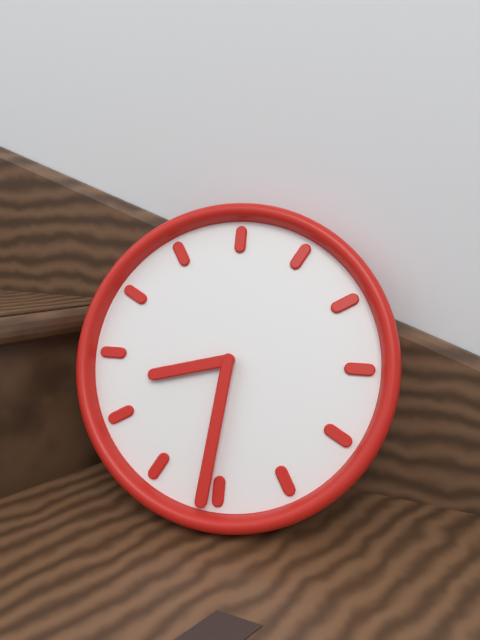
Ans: 8:31
